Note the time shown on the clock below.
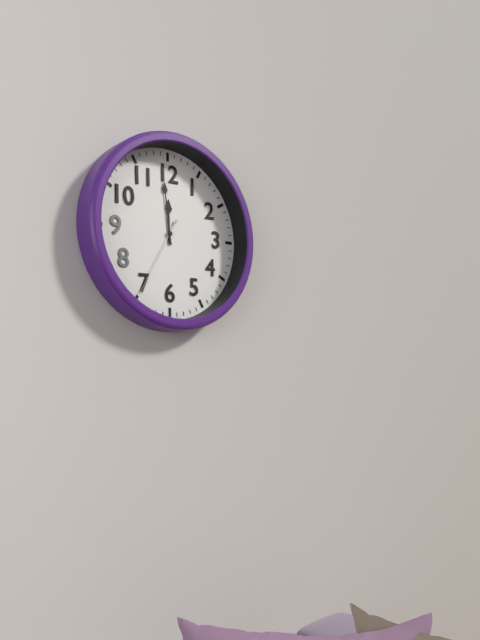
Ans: 11:59:35
